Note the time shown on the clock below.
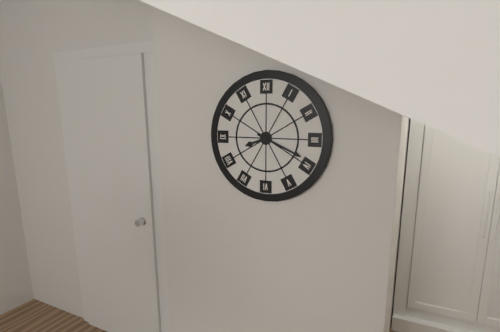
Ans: 8:19
